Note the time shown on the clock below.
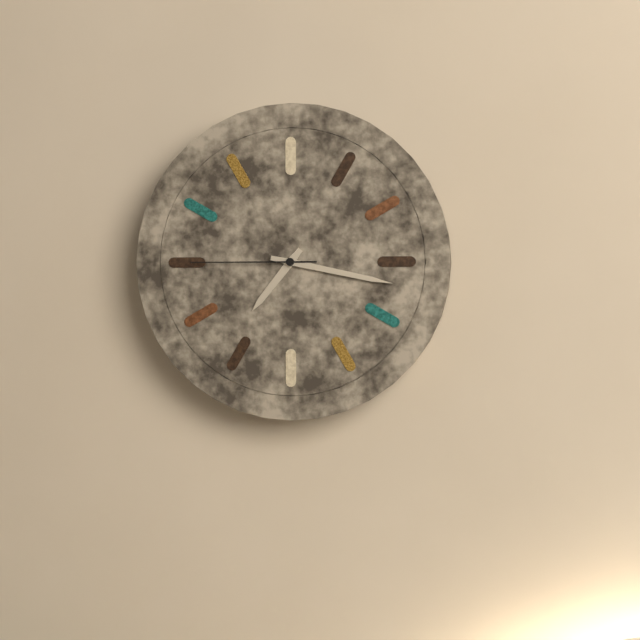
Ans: 7:17:45
